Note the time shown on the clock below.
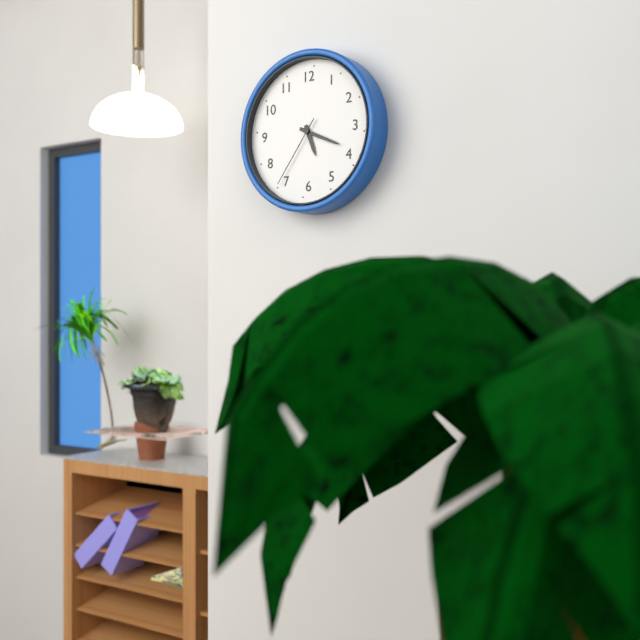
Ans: 5:19:36
